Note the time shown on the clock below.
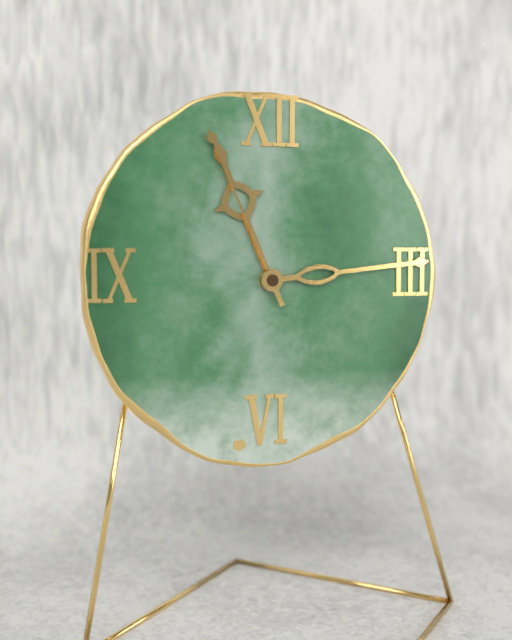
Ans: 11:14:56
